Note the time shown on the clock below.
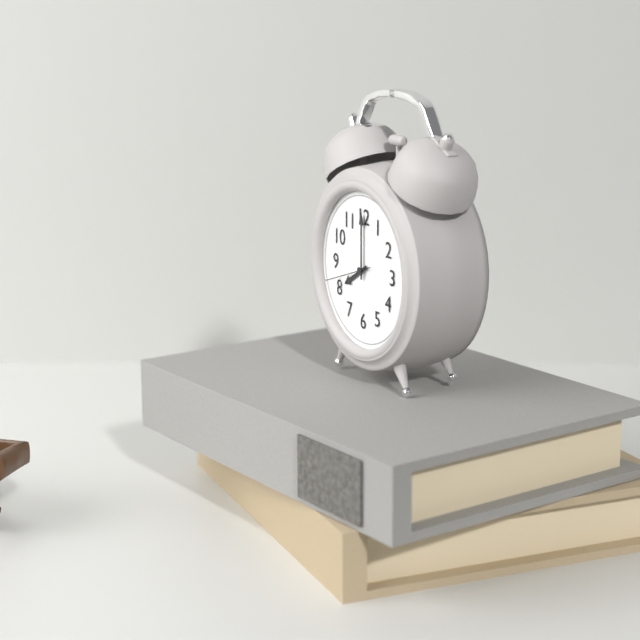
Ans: 8:00
